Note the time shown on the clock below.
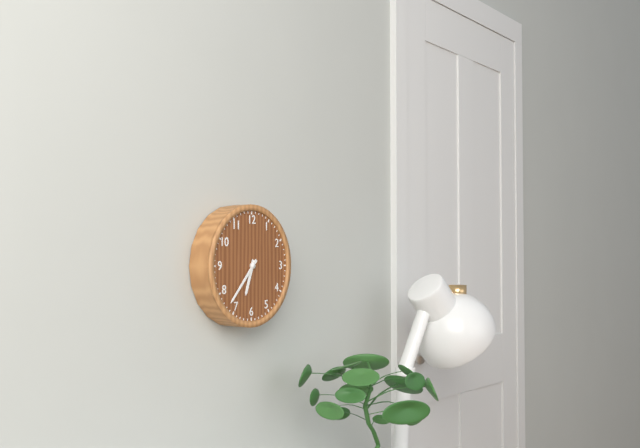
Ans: 6:37
